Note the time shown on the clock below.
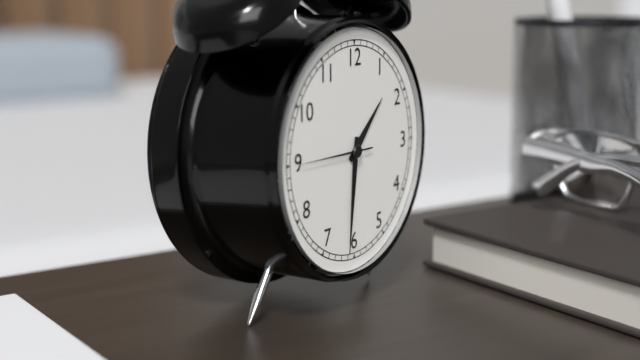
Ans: 1:31:45
